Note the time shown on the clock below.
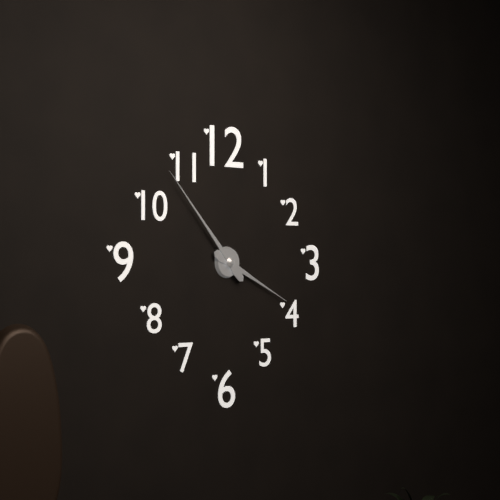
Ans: 3:53
